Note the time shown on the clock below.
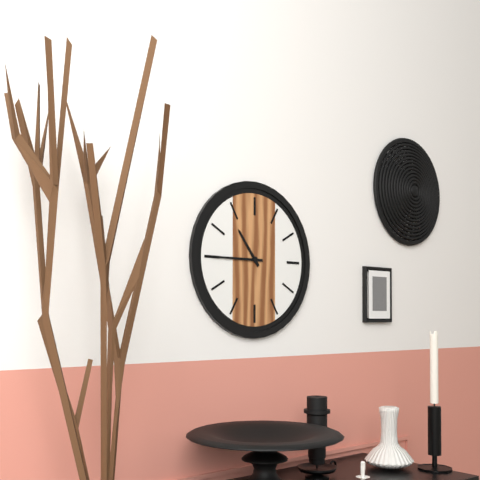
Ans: 10:45
